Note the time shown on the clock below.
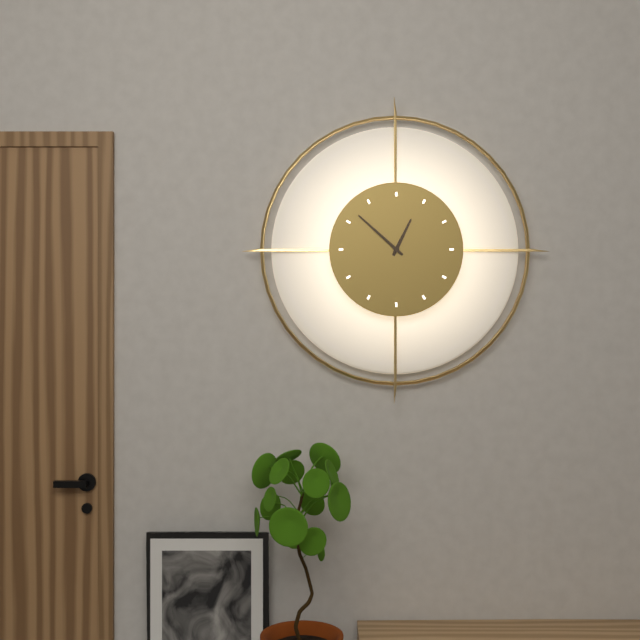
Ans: 12:52
